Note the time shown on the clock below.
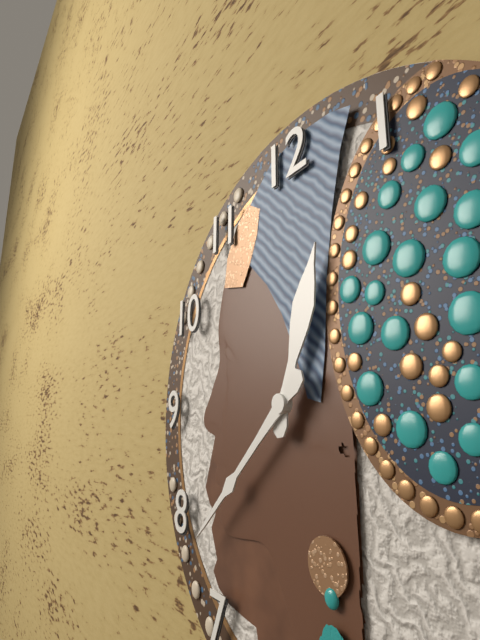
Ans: 12:38
